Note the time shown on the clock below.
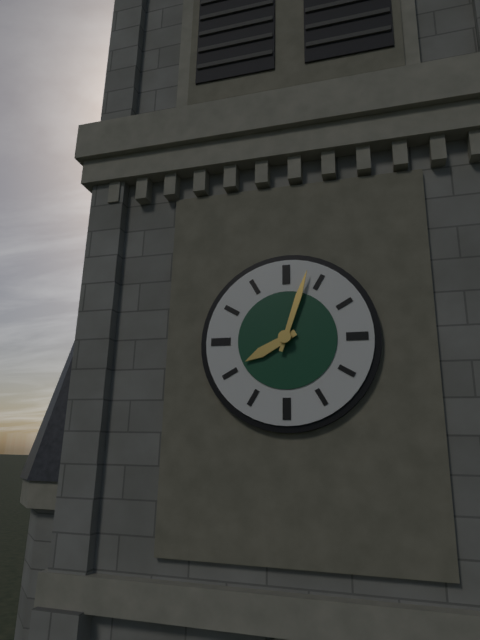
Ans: 8:03
